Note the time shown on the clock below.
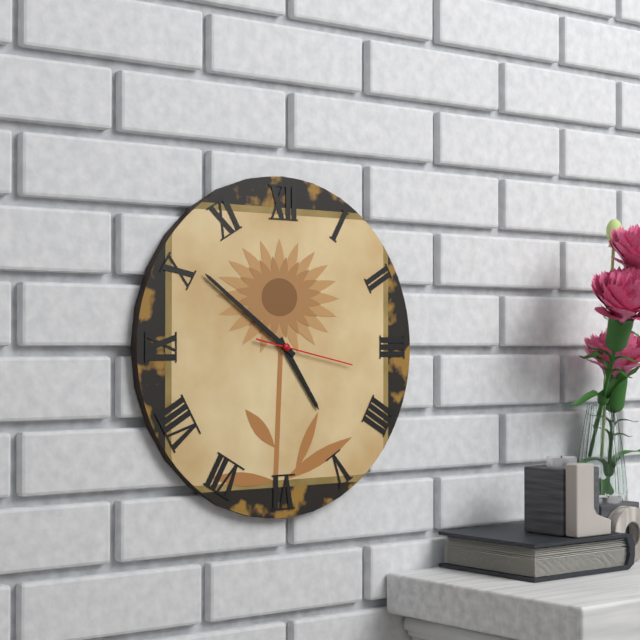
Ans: 4:51:17
